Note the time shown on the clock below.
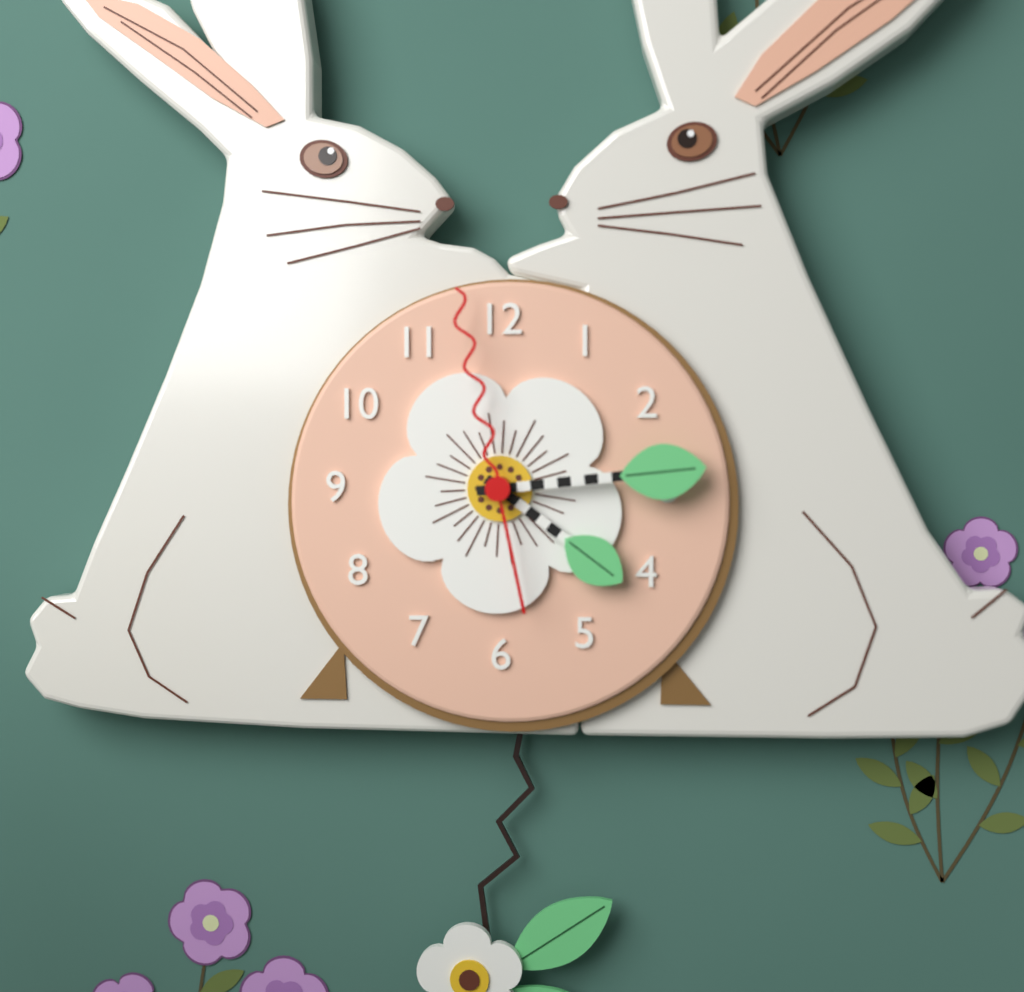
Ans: 4:14:58
